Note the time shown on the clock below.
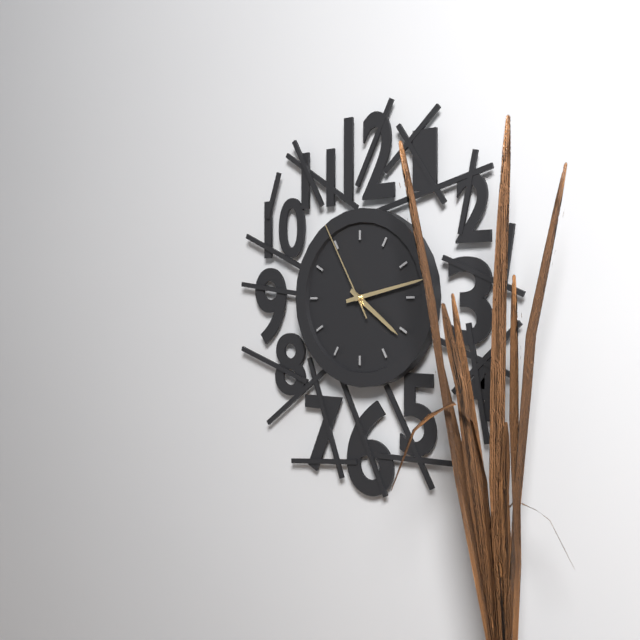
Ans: 4:13:55
